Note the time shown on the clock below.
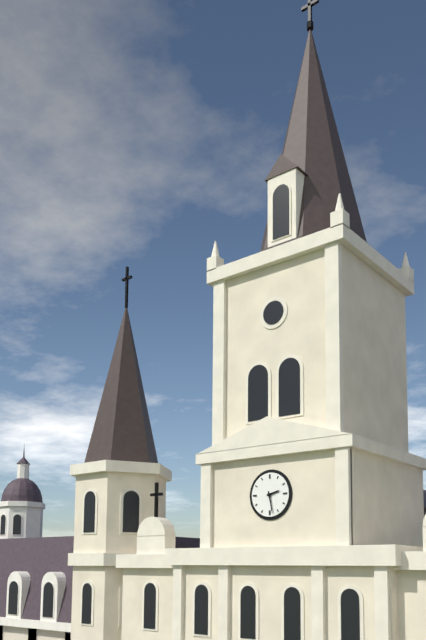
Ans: 2:28
